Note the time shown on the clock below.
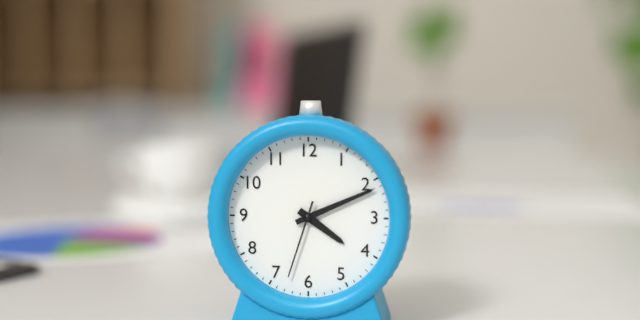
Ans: 4:11:33
